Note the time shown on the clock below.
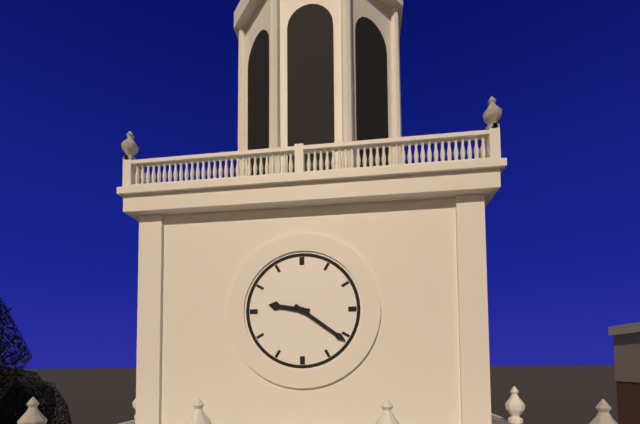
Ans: 9:21
